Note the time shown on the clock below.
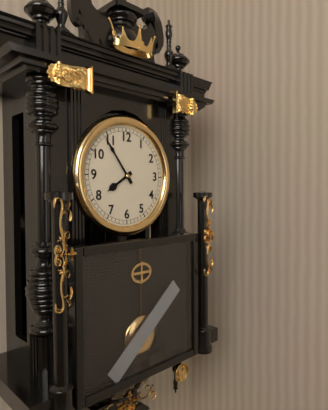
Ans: 7:54
